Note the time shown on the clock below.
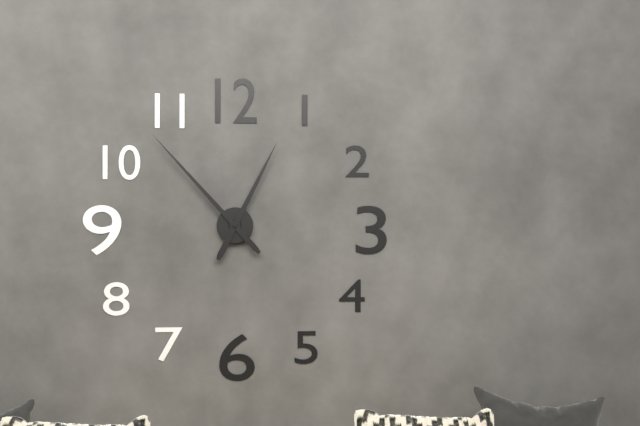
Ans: 12:53
